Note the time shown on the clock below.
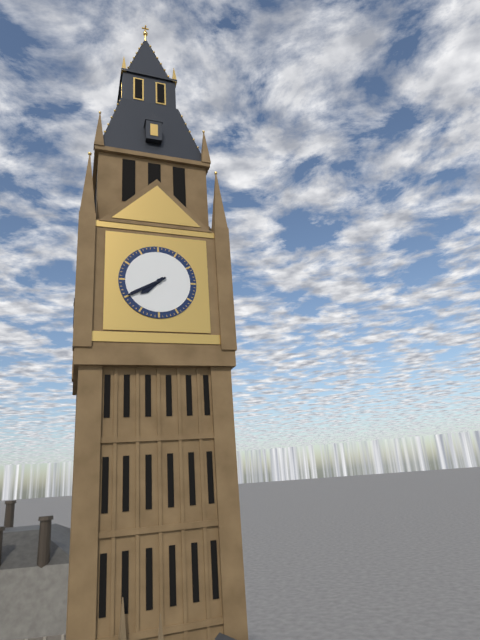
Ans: 7:40
